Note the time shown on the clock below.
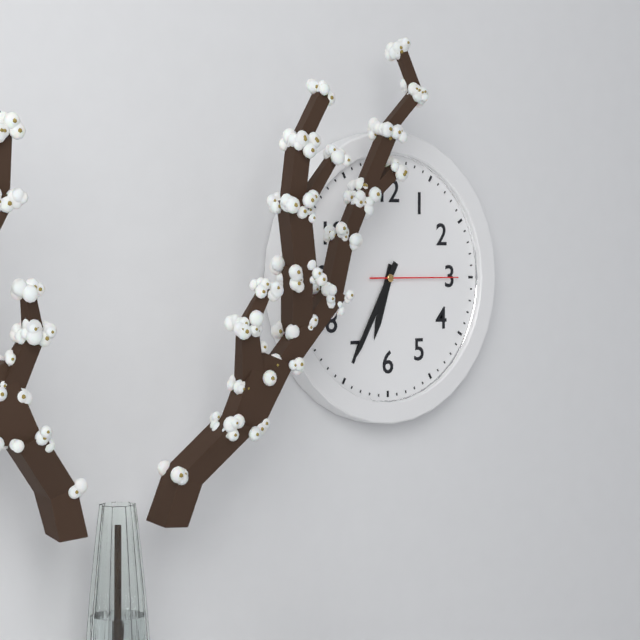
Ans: 6:35:15
